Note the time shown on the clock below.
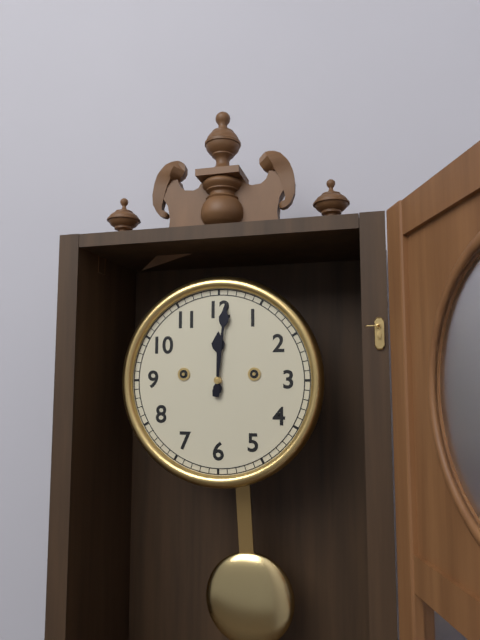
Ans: 12:01
